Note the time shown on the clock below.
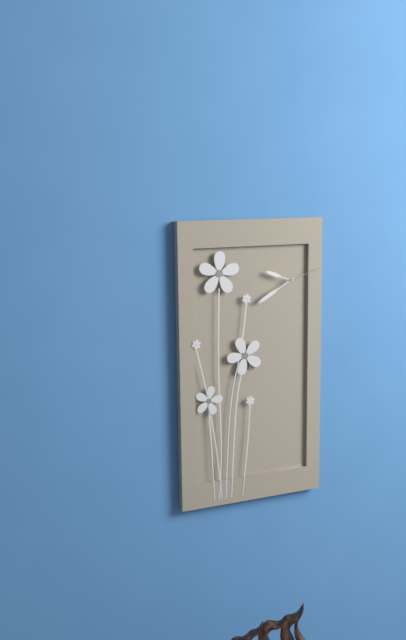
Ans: 9:40
